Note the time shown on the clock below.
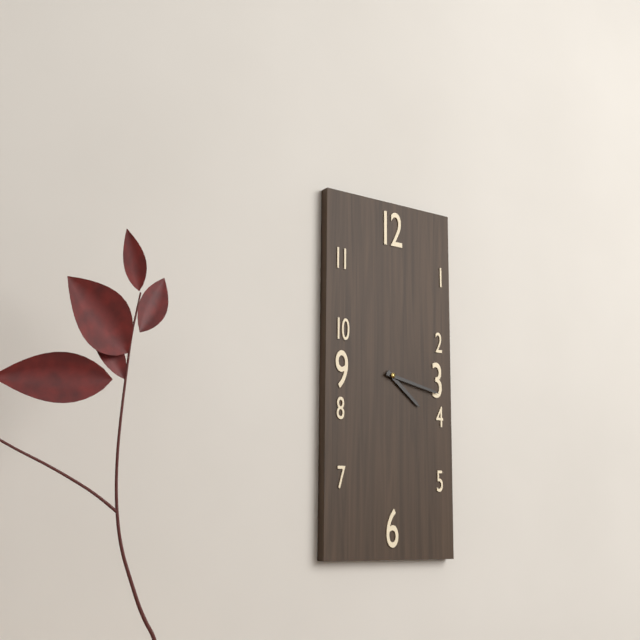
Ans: 4:17
